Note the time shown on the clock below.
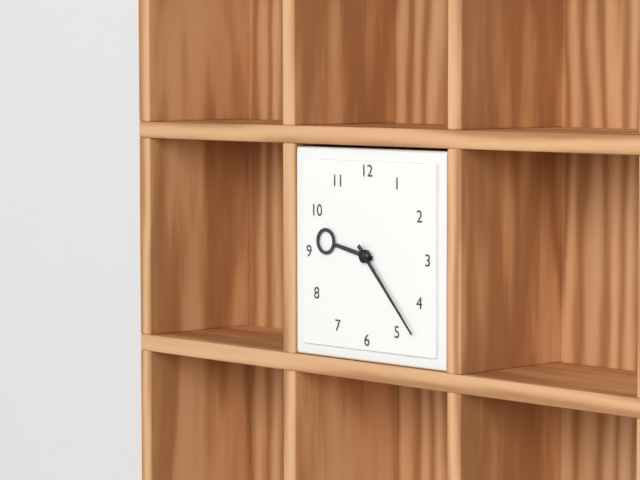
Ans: 9:23
